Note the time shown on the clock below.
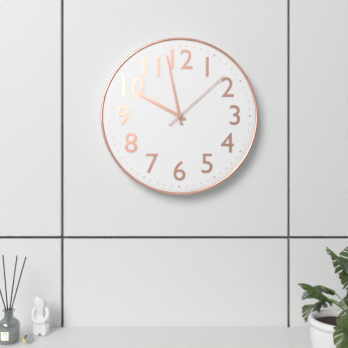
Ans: 9:58:08
